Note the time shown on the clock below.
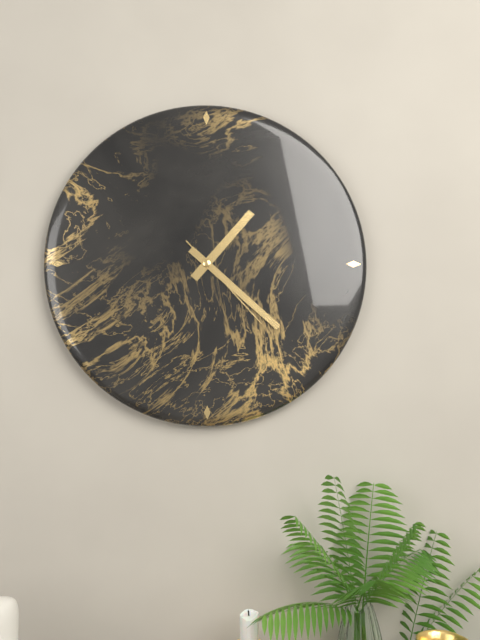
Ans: 1:22:23
